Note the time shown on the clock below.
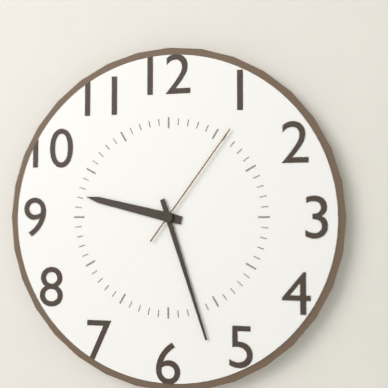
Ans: 9:27:06
